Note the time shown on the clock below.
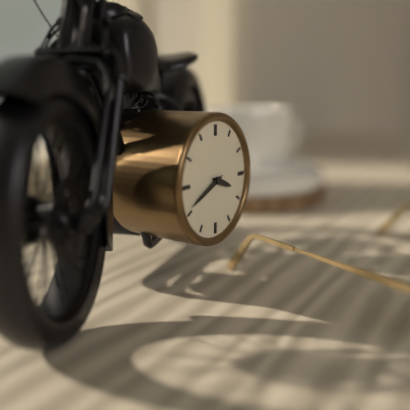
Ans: 3:41
